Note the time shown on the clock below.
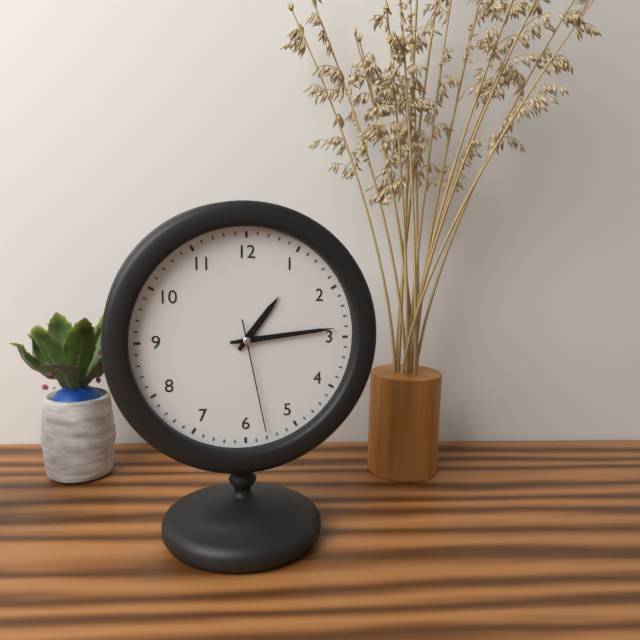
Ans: 1:14:28
